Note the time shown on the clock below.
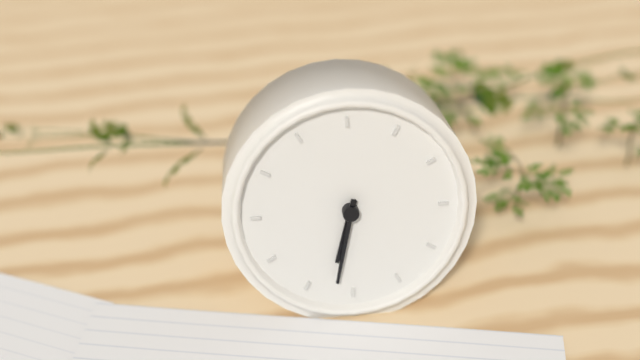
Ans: 6:32
